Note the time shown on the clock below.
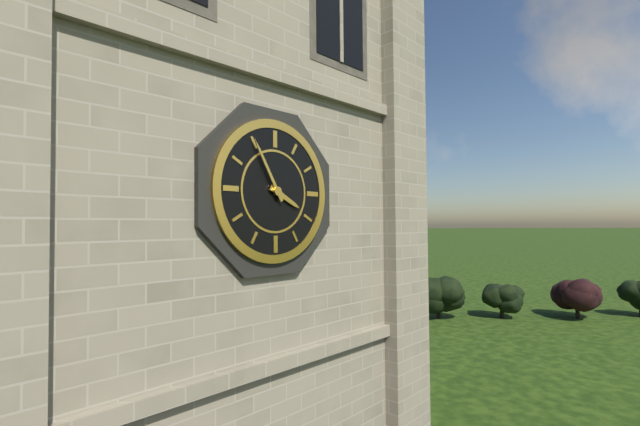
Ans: 3:55
